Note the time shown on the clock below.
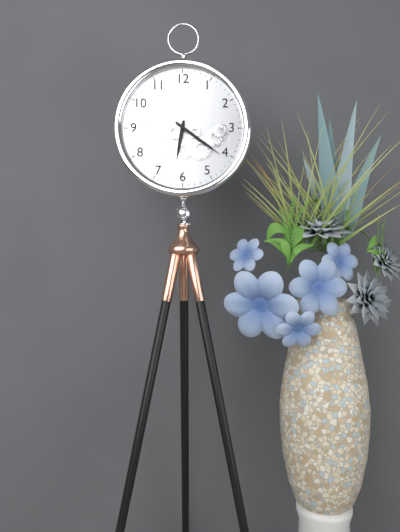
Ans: 6:21
